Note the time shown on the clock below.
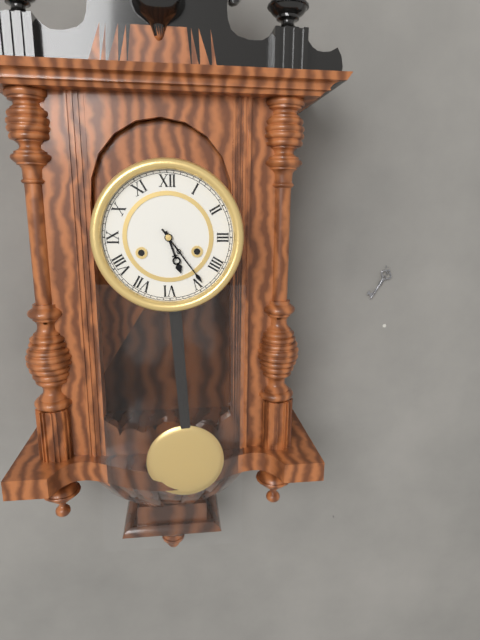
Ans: 5:24
